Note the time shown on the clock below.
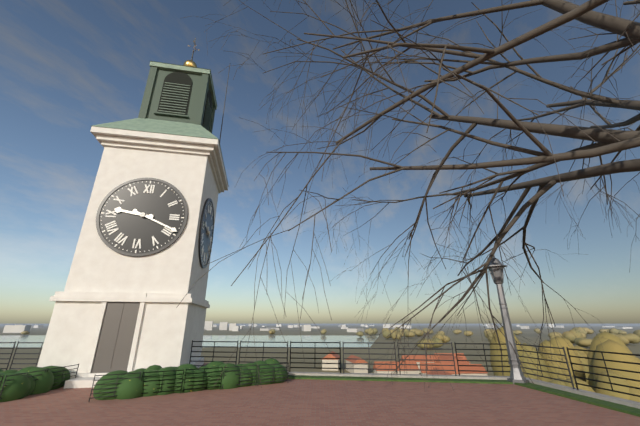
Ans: 9:19
